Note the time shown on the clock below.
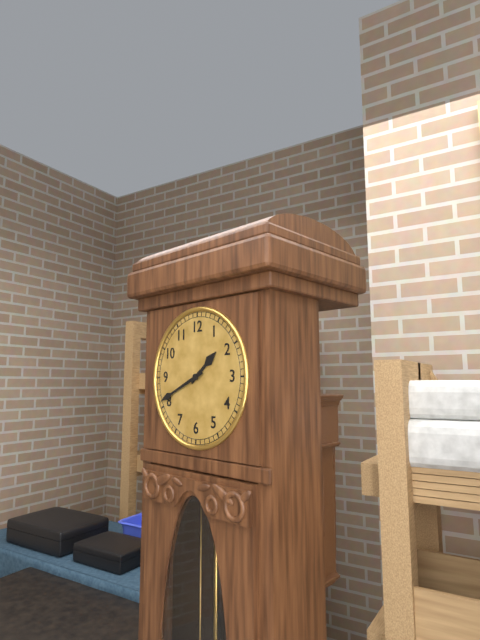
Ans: 1:41
